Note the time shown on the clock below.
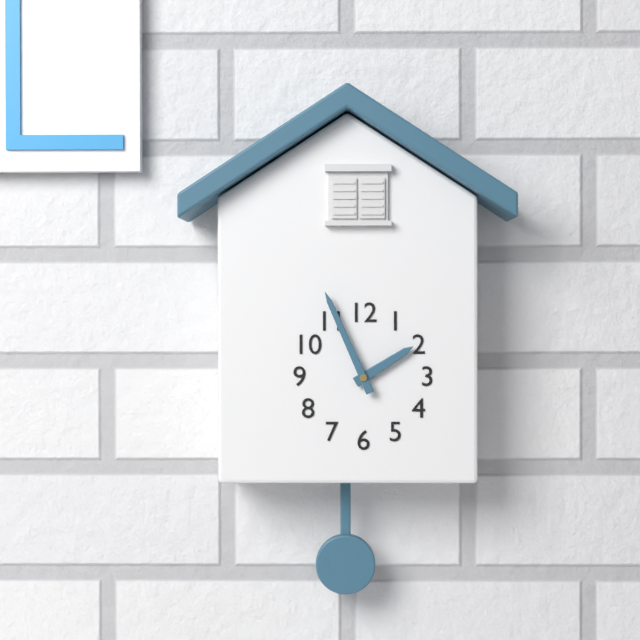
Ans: 1:56
